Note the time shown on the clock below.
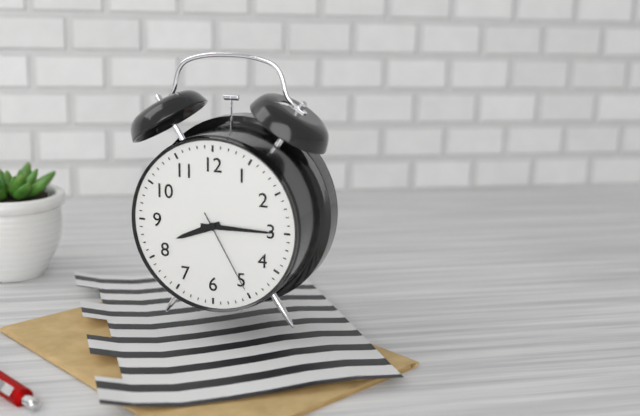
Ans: 8:15:25
